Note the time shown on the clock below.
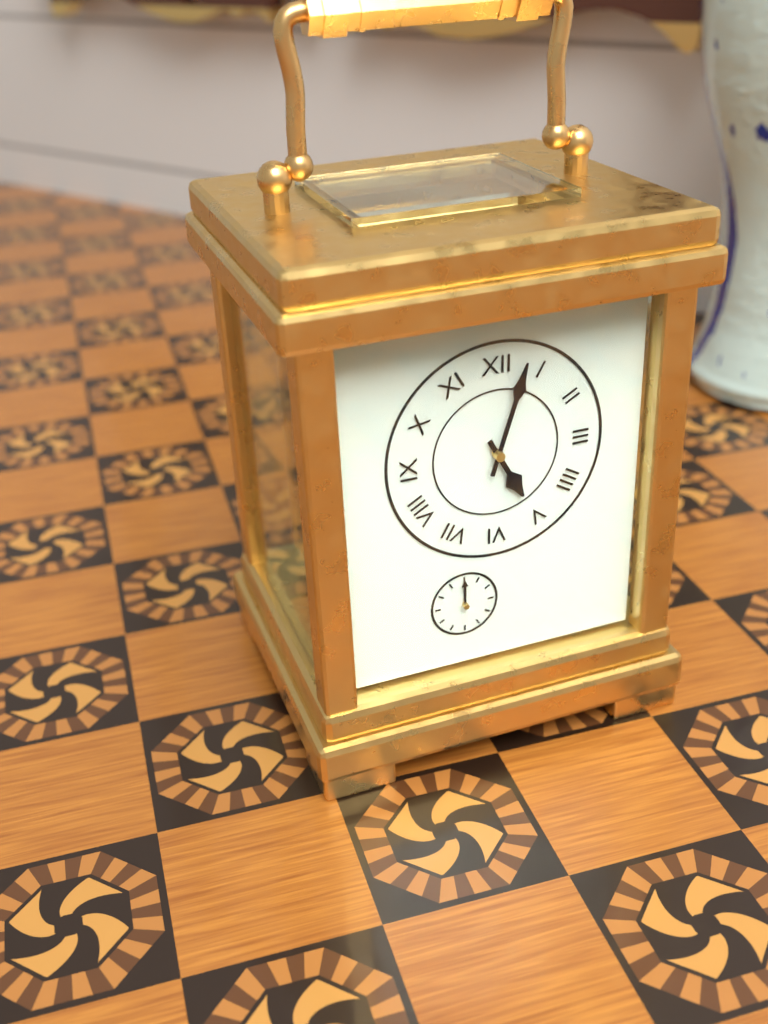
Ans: 5:03
